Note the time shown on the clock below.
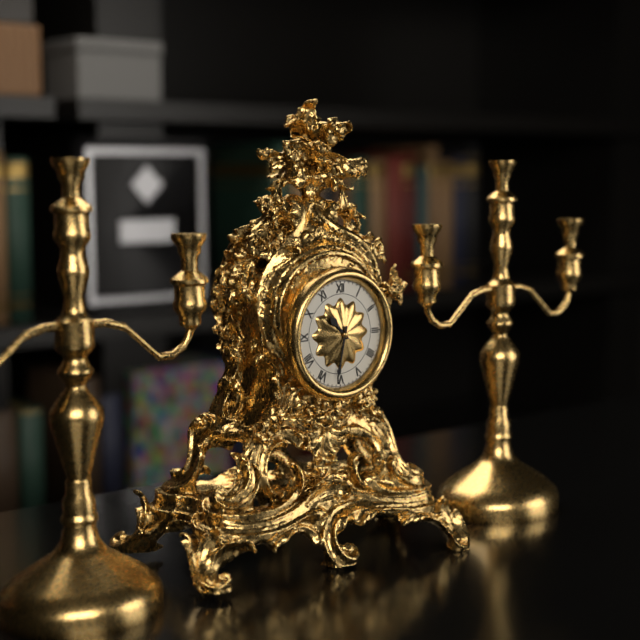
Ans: 10:32
